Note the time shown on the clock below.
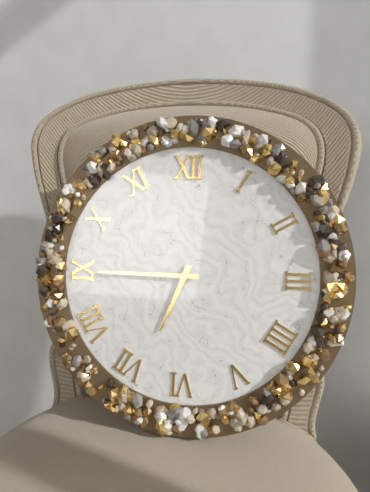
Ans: 6:45
